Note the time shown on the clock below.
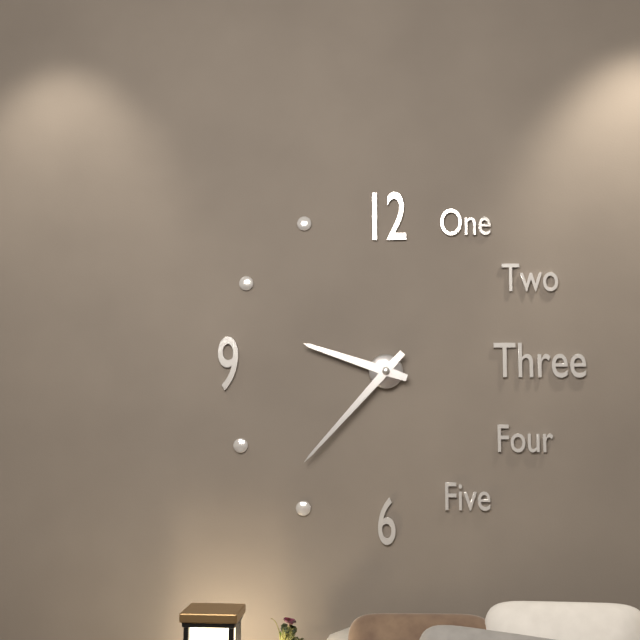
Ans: 9:37
